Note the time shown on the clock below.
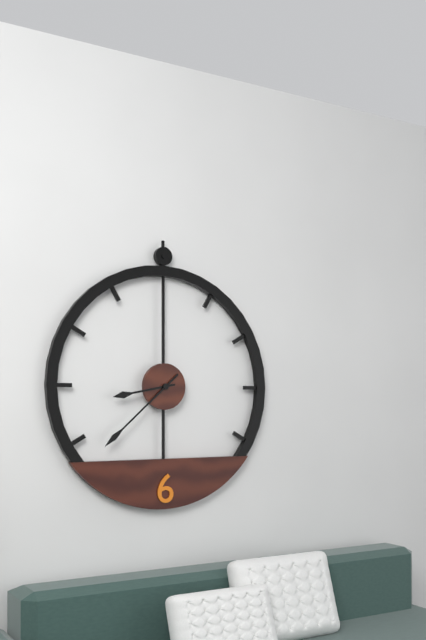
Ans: 8:38
